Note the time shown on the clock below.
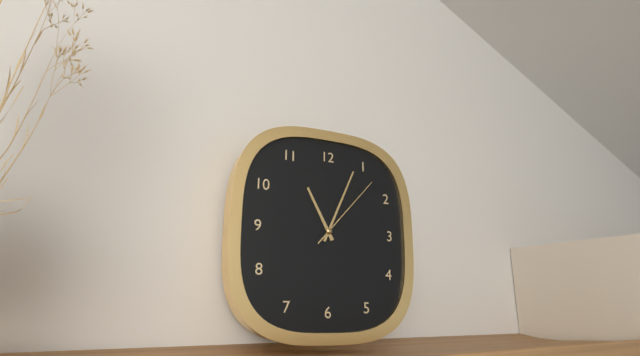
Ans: 11:04:07
